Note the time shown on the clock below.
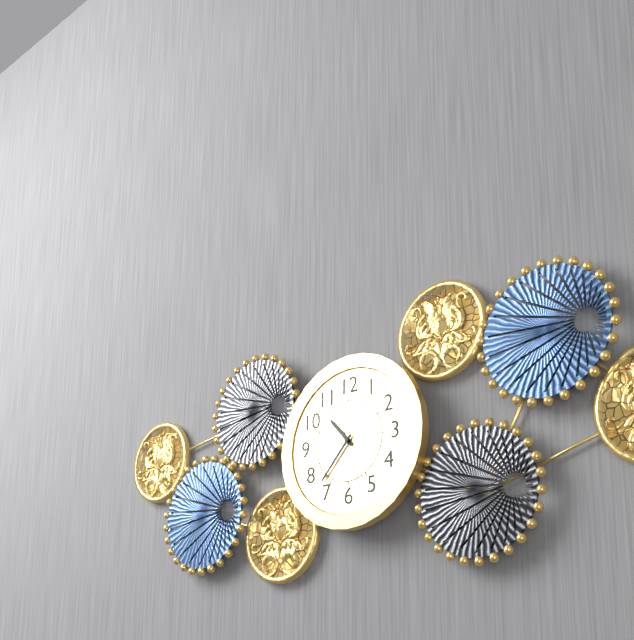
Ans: 10:37:27
